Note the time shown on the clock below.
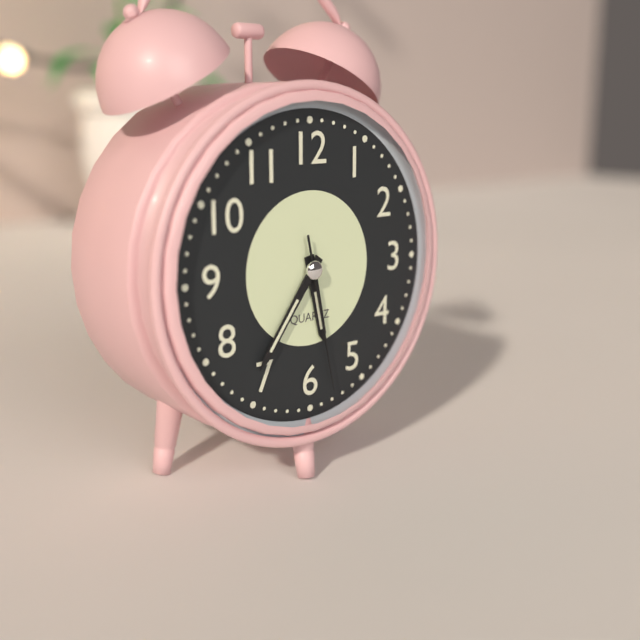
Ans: 5:36:28
